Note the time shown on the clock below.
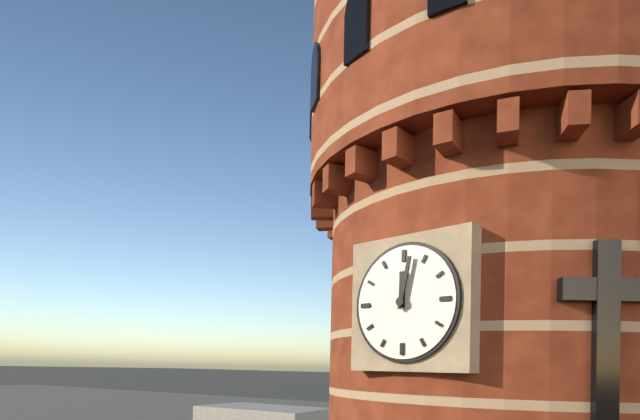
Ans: 12:02
